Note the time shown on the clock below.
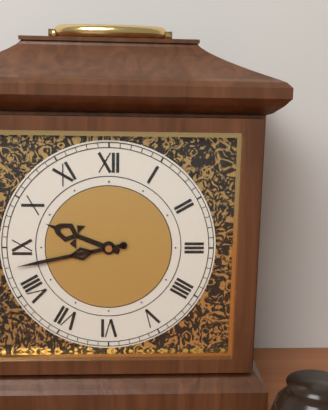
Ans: 9:43
